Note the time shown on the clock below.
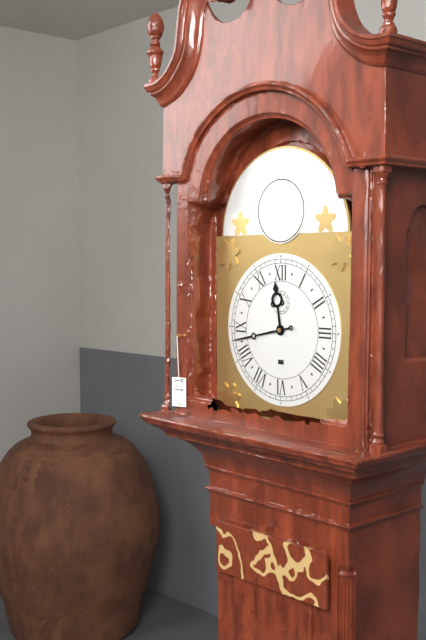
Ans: 11:43
